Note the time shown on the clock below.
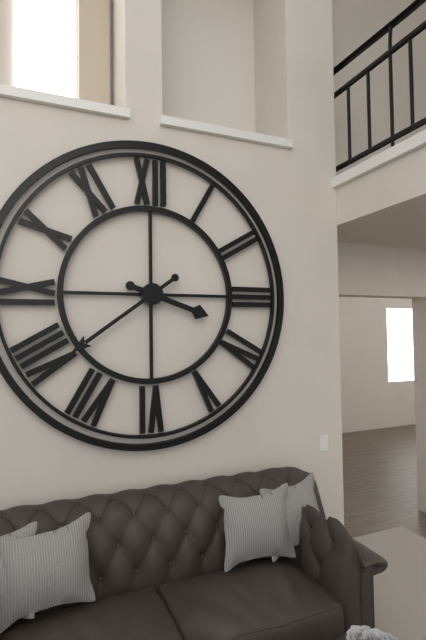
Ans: 3:39
